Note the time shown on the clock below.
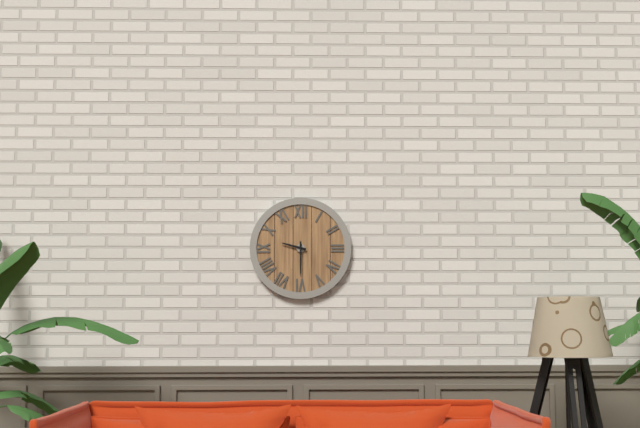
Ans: 9:30
